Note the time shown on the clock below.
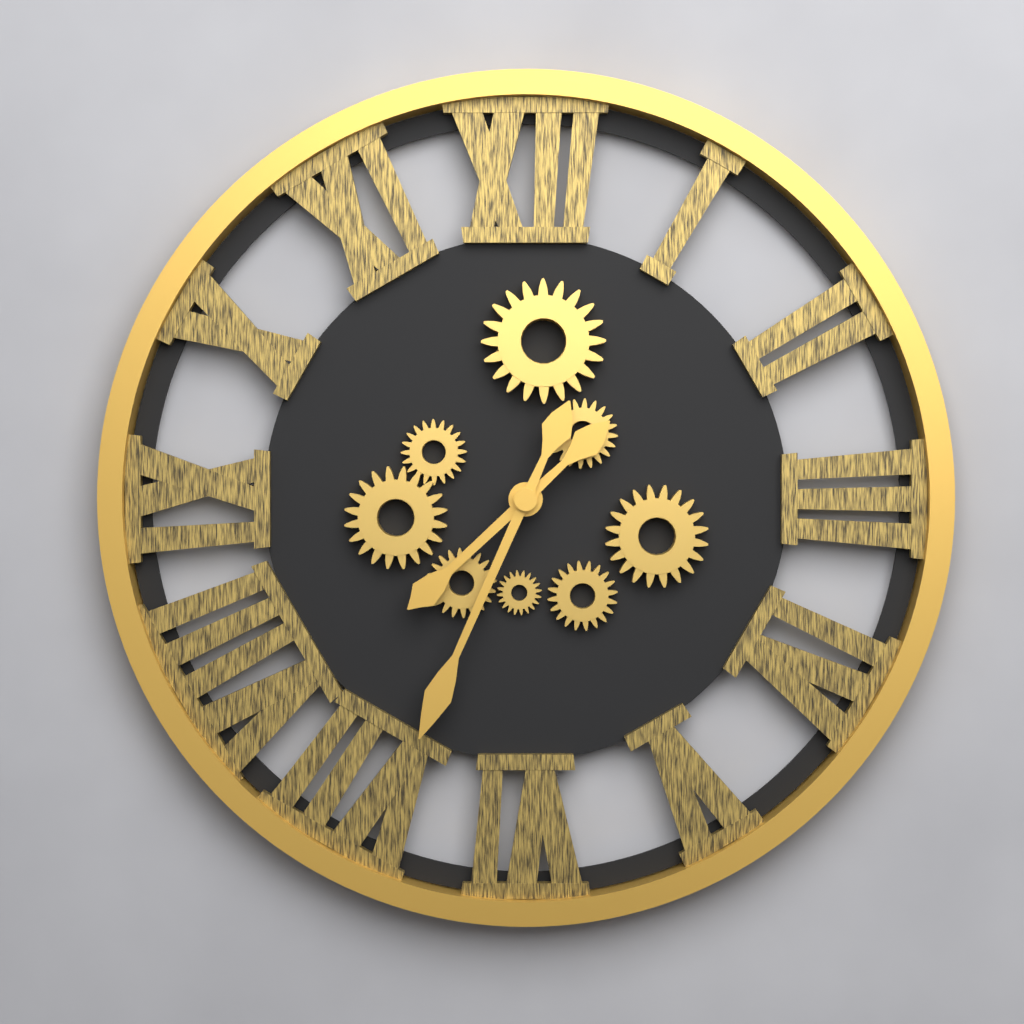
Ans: 7:34
